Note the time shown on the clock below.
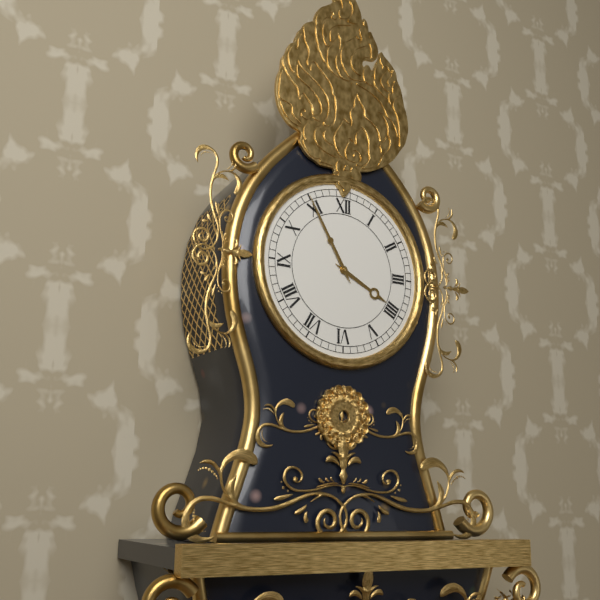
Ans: 3:55
